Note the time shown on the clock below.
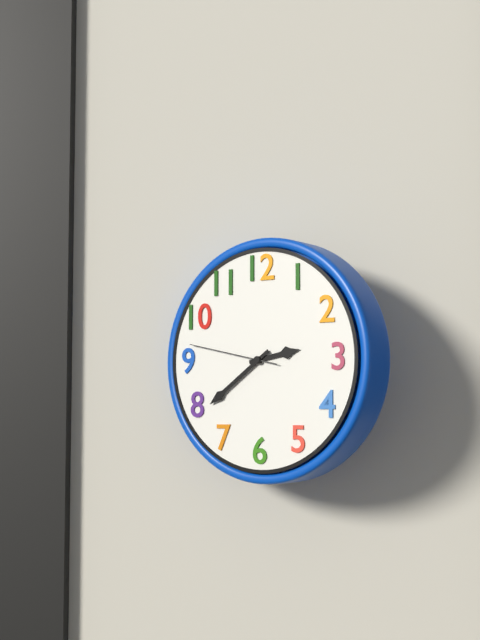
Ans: 2:39:47
